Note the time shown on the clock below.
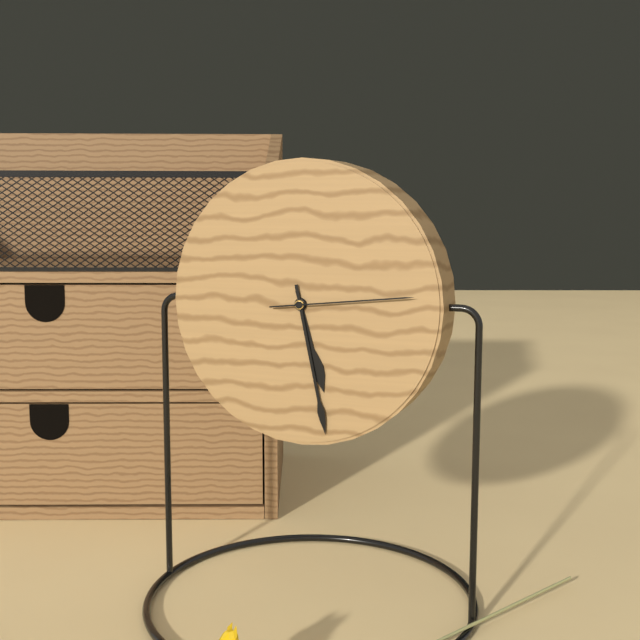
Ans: 5:28:14
